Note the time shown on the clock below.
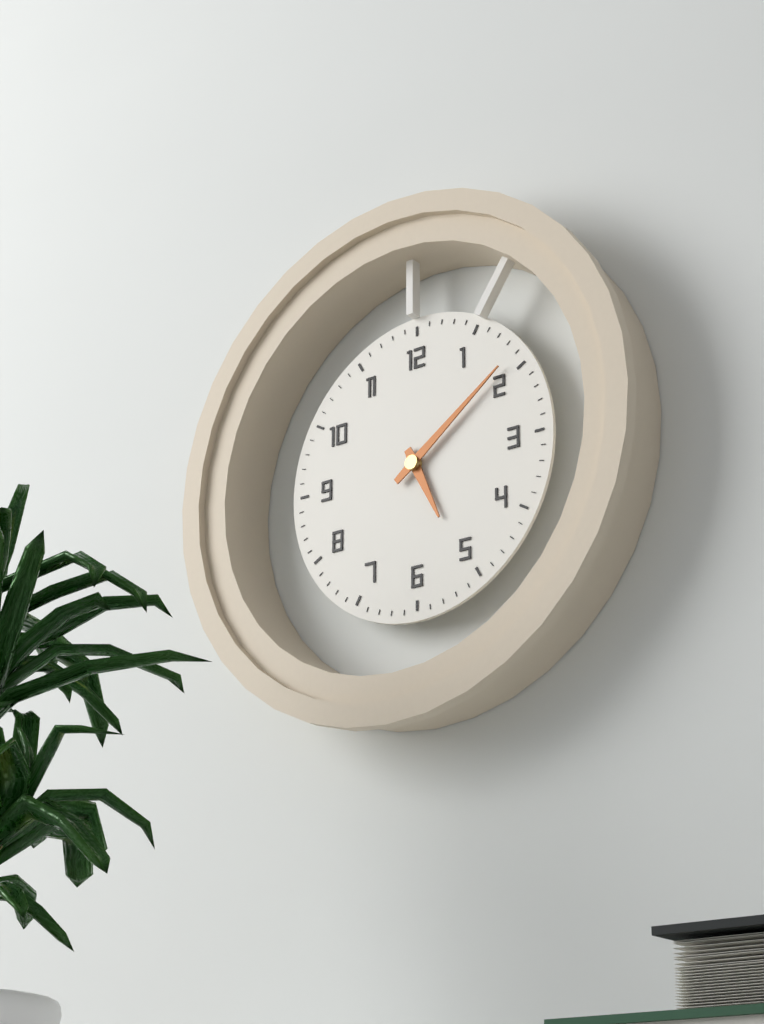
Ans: 5:09
